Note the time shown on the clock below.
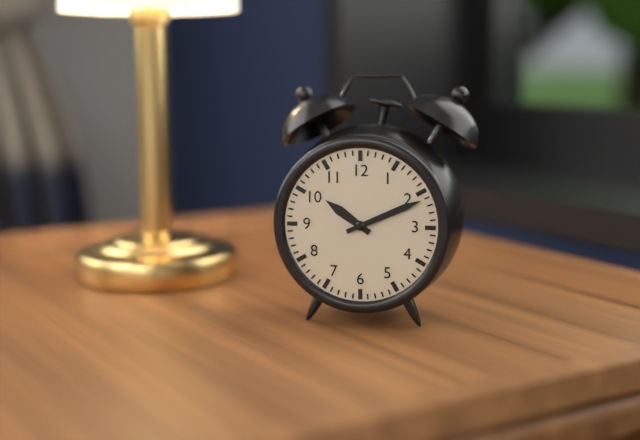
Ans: 10:11
